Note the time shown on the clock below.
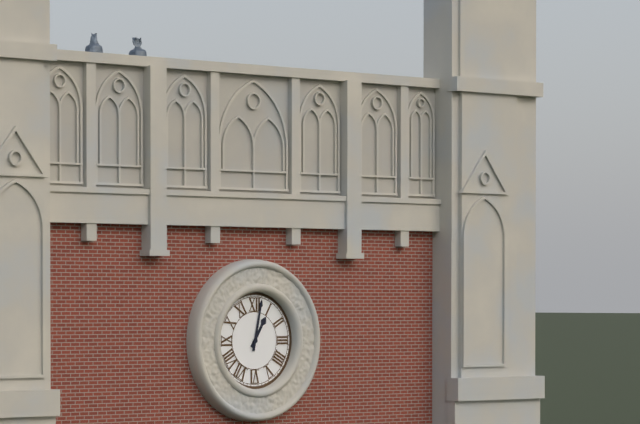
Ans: 1:02
